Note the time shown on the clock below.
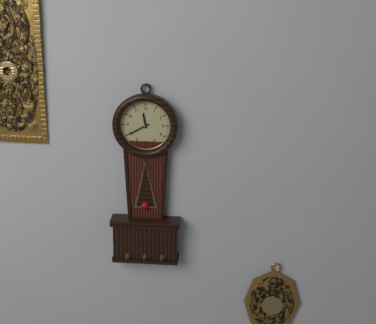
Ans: 11:40
